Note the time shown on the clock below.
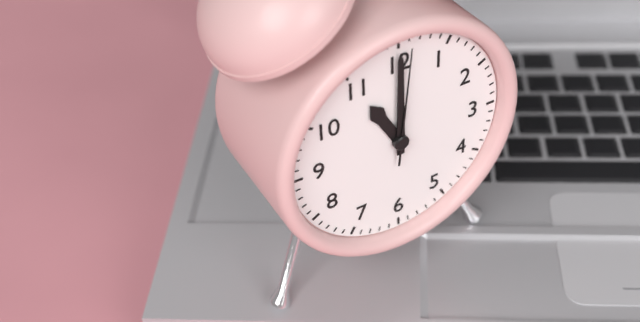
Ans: 11:00:01
